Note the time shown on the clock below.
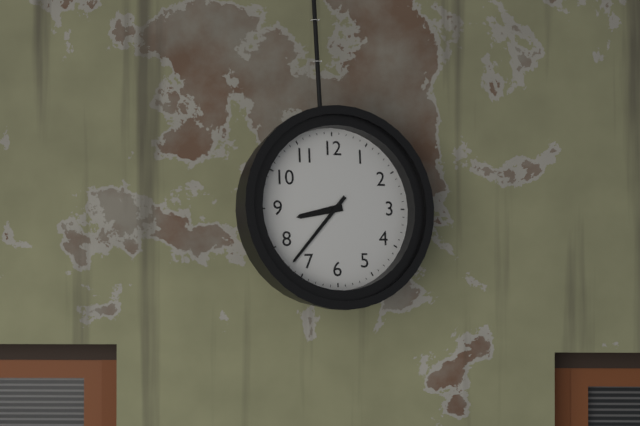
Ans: 8:37
